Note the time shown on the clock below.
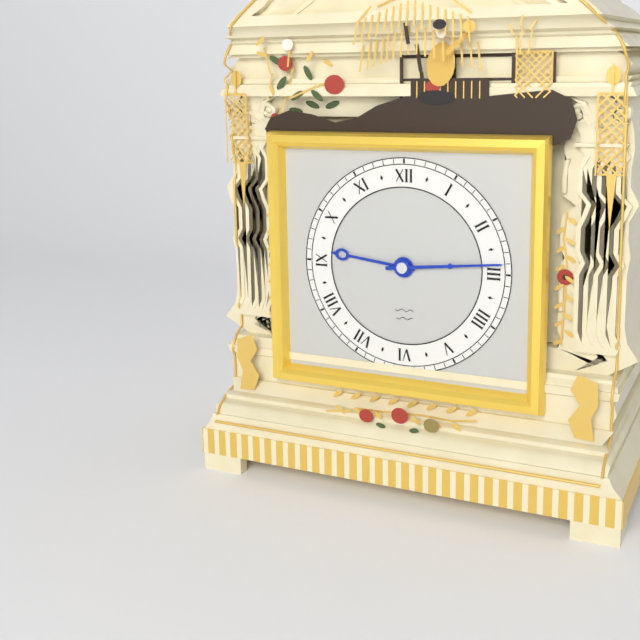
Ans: 9:14
